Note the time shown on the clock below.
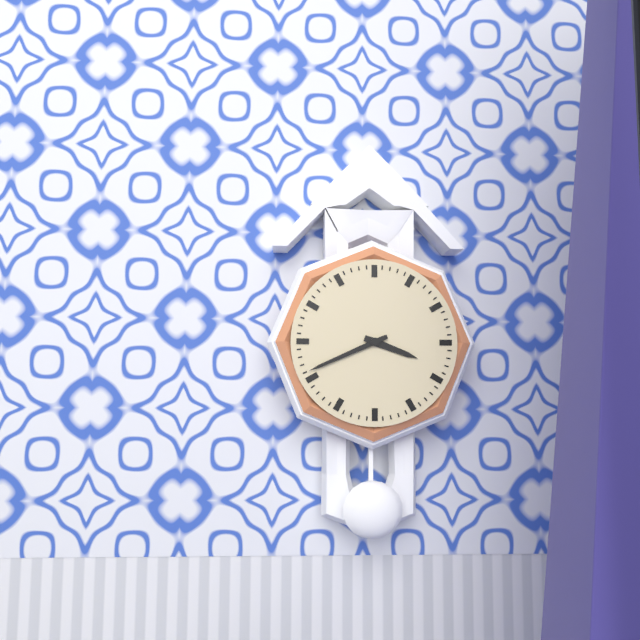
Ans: 3:41
